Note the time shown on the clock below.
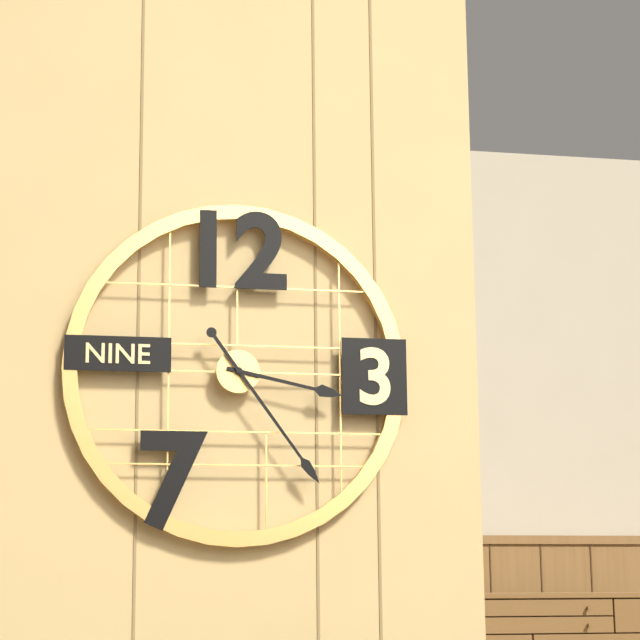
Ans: 3:24
